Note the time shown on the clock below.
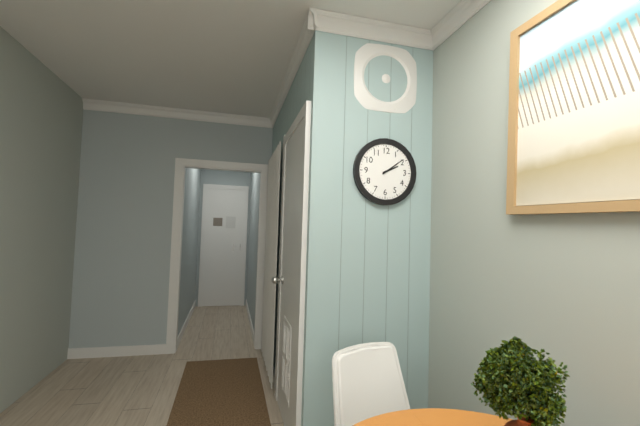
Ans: 2:09
